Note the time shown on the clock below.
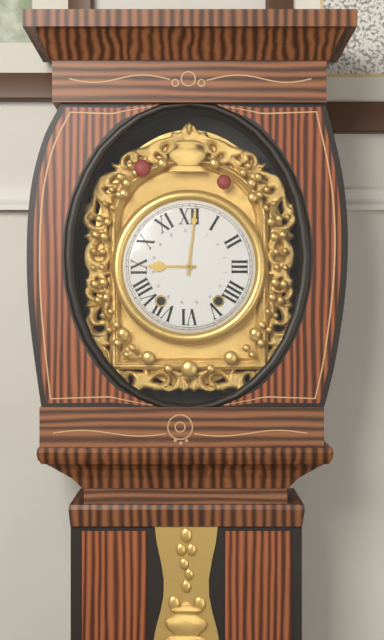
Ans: 9:01
